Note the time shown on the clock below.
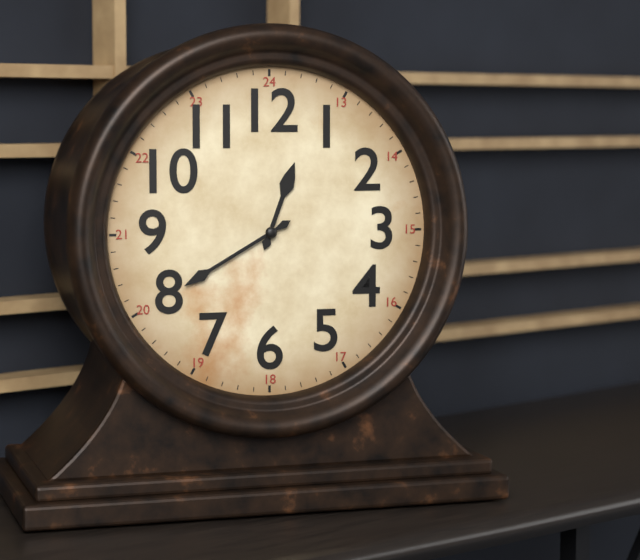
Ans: 12:40
